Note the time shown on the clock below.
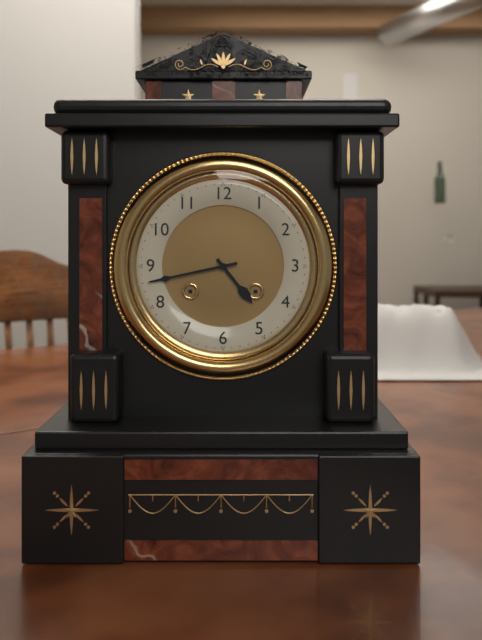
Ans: 4:43
